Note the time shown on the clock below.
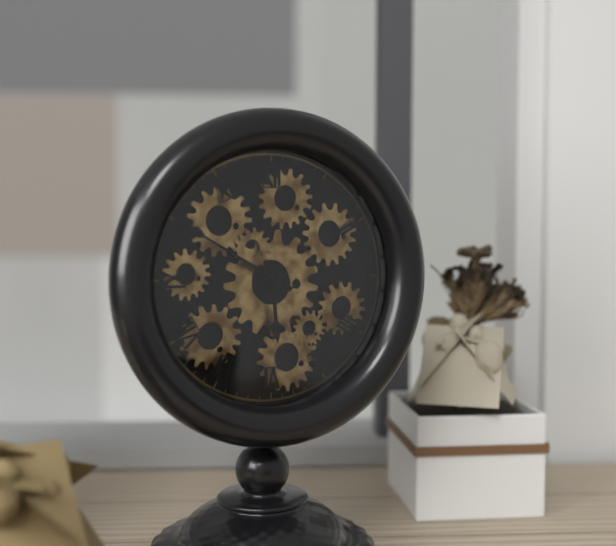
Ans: 5:50
